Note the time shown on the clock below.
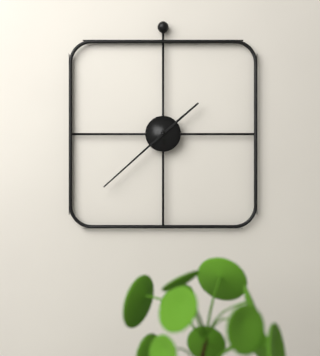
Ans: 1:38
